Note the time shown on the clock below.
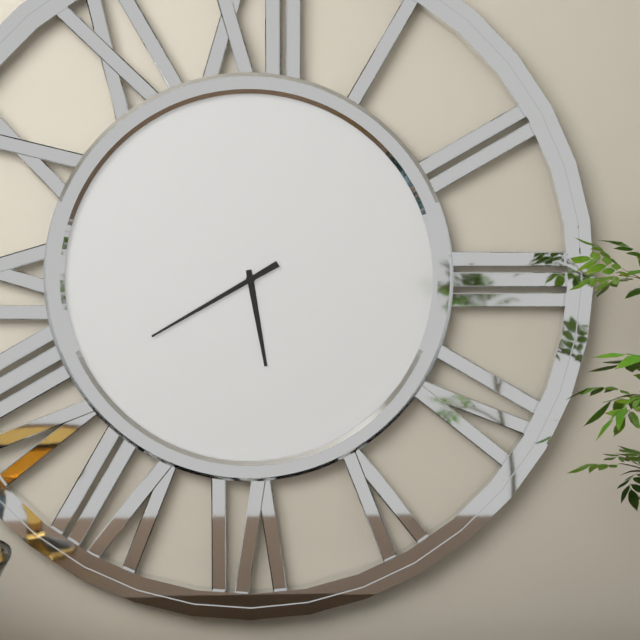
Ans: 5:40
